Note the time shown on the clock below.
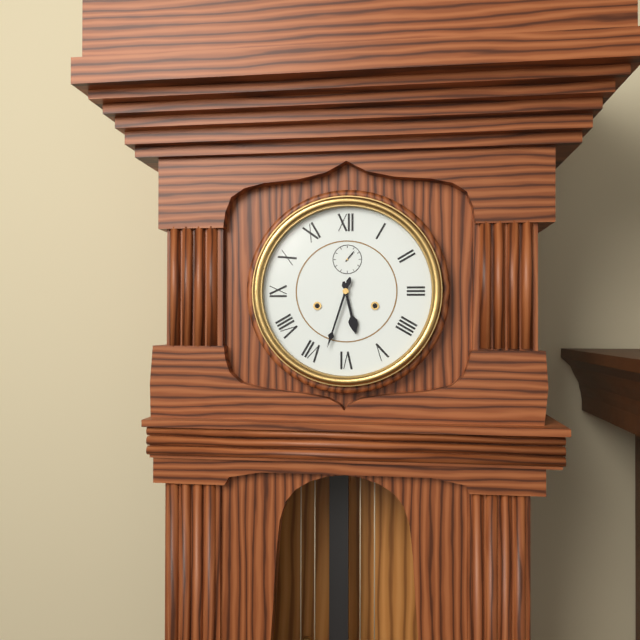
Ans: 5:33
